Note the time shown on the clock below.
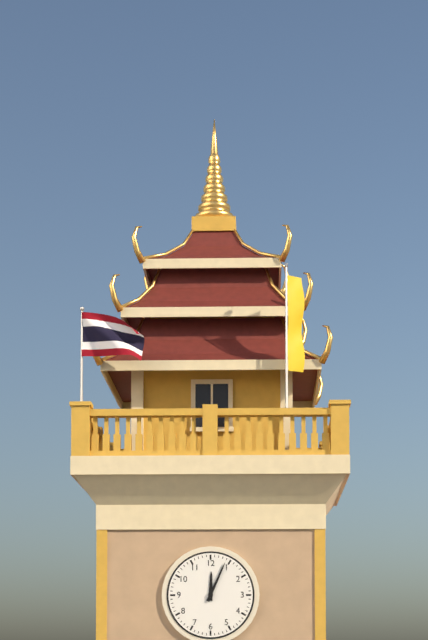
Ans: 12:04
